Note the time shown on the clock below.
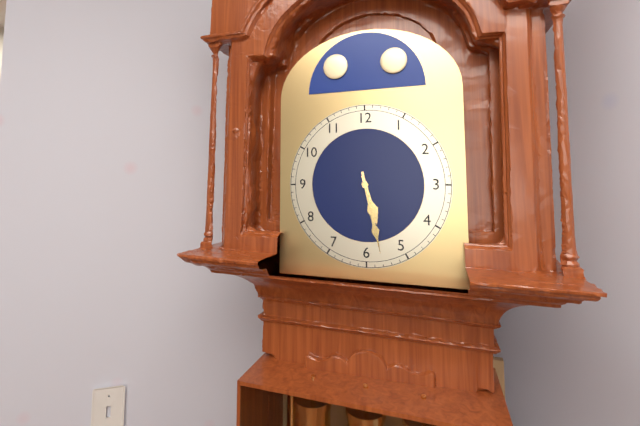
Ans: 5:28
